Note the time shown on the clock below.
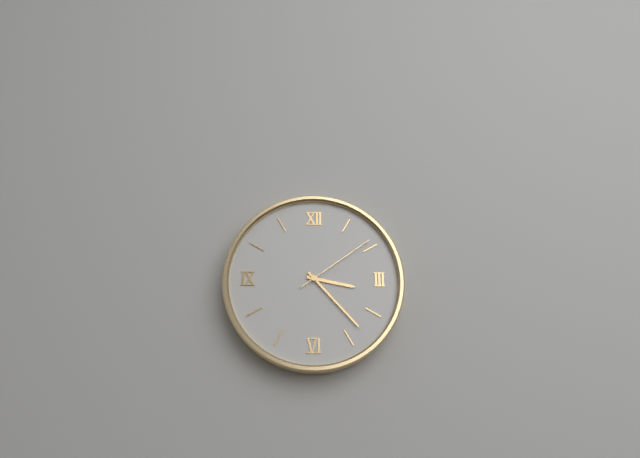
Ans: 3:23:09
